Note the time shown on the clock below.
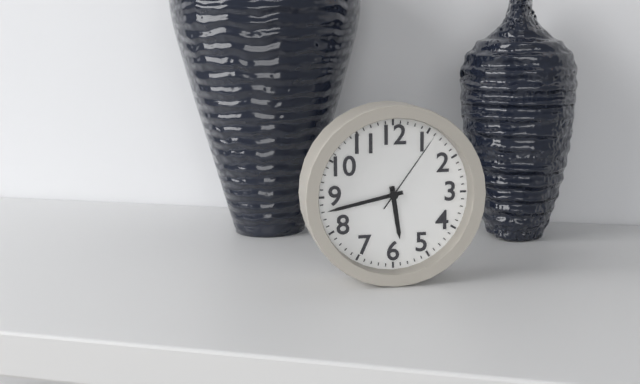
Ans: 5:43:06
